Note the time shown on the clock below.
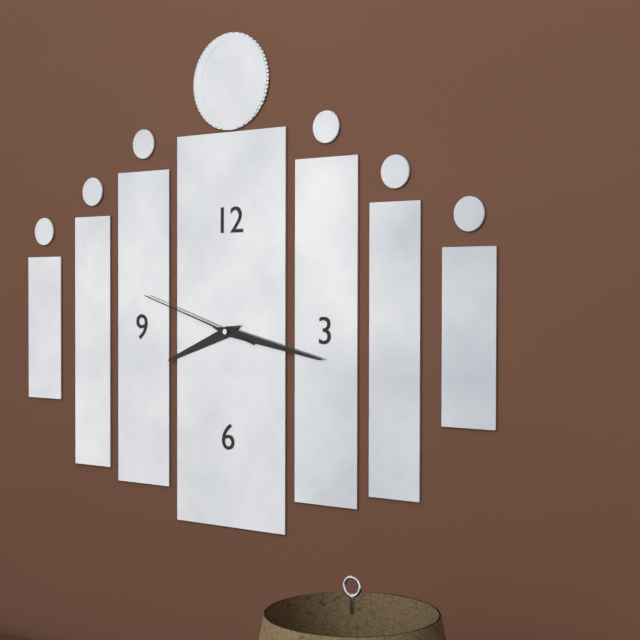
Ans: 8:17:48
